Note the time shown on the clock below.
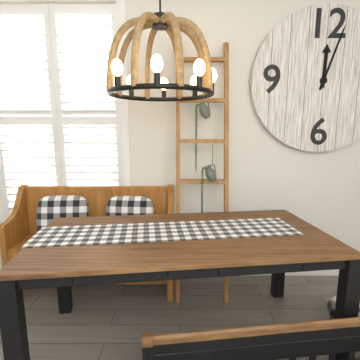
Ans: 12:03
